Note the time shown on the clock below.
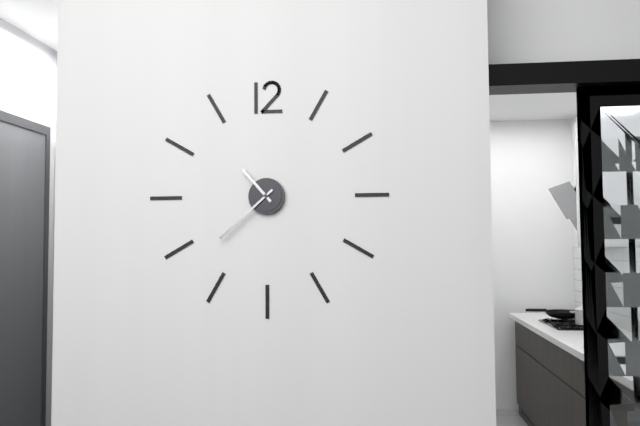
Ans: 10:38
